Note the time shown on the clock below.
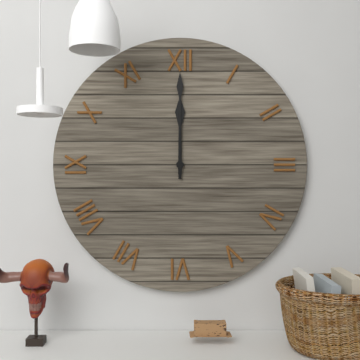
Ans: 12:00
